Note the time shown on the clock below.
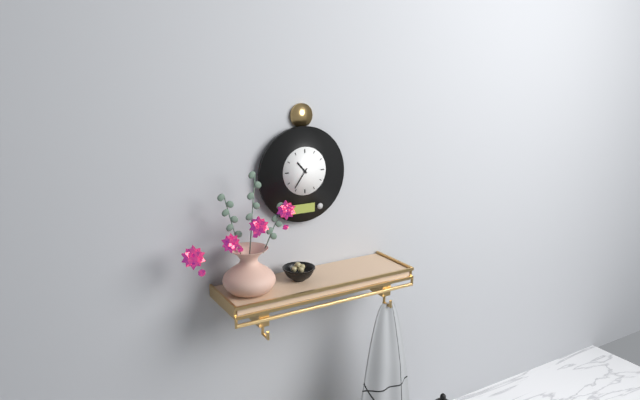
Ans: 10:36
